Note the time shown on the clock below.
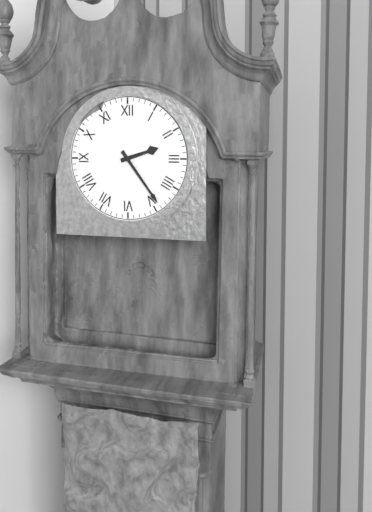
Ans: 2:24
